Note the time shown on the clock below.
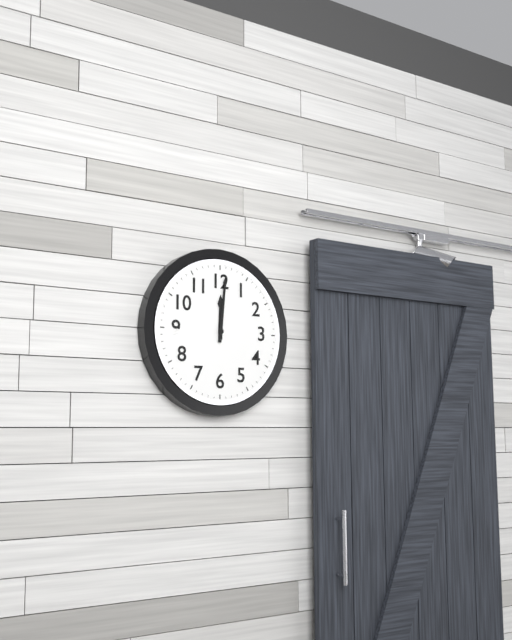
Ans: 12:01
